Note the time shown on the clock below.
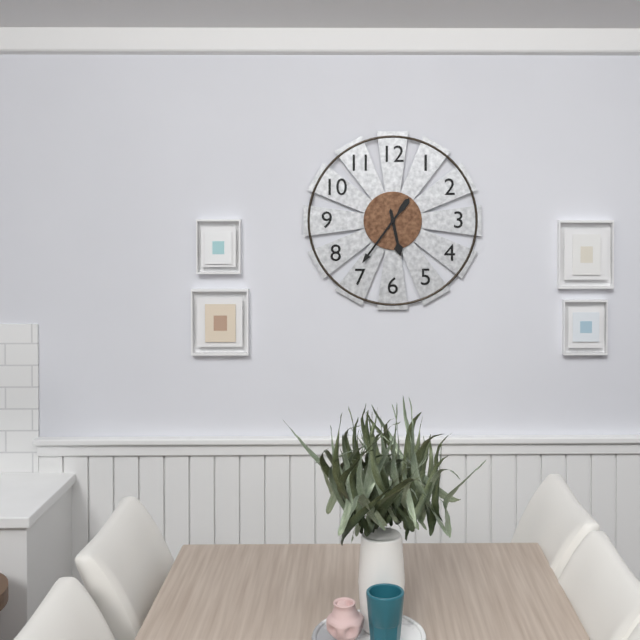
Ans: 5:36
